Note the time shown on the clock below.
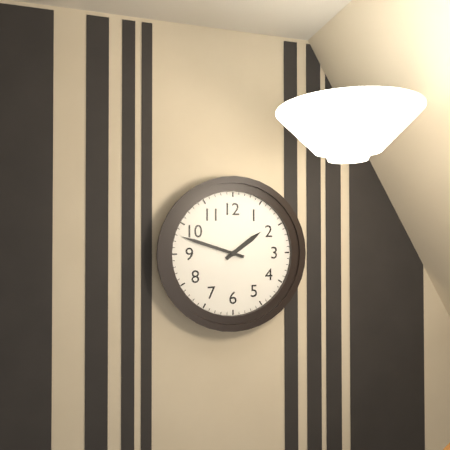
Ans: 1:48
